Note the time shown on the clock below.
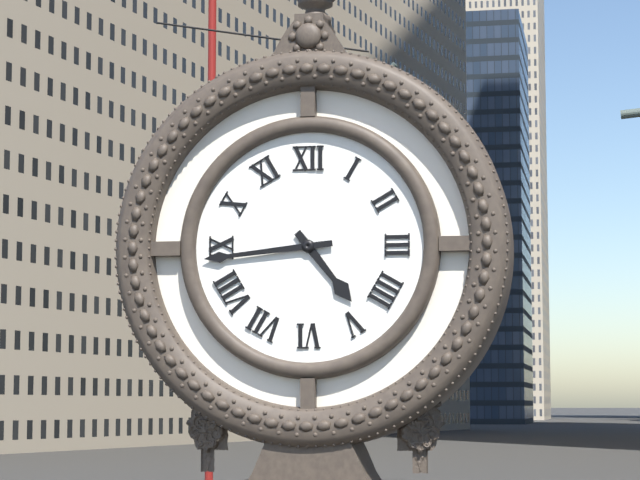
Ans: 4:44
